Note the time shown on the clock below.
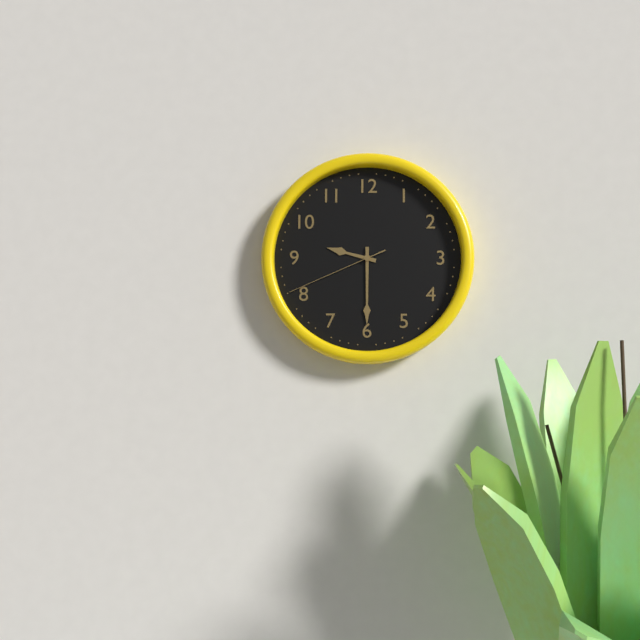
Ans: 9:30:41
